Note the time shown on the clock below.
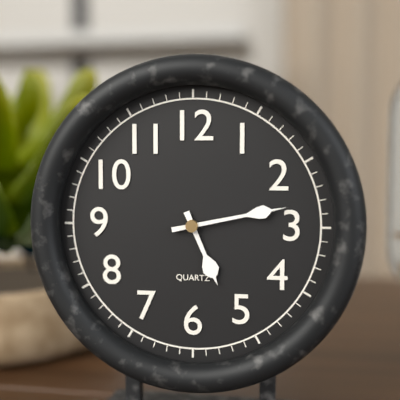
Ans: 5:13
